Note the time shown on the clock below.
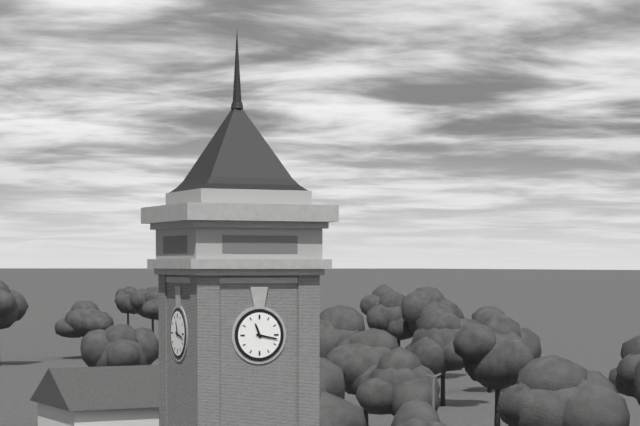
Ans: 11:17
